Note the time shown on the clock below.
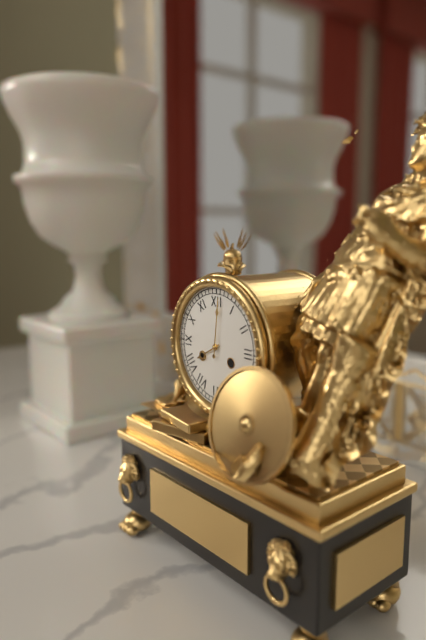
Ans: 8:01
